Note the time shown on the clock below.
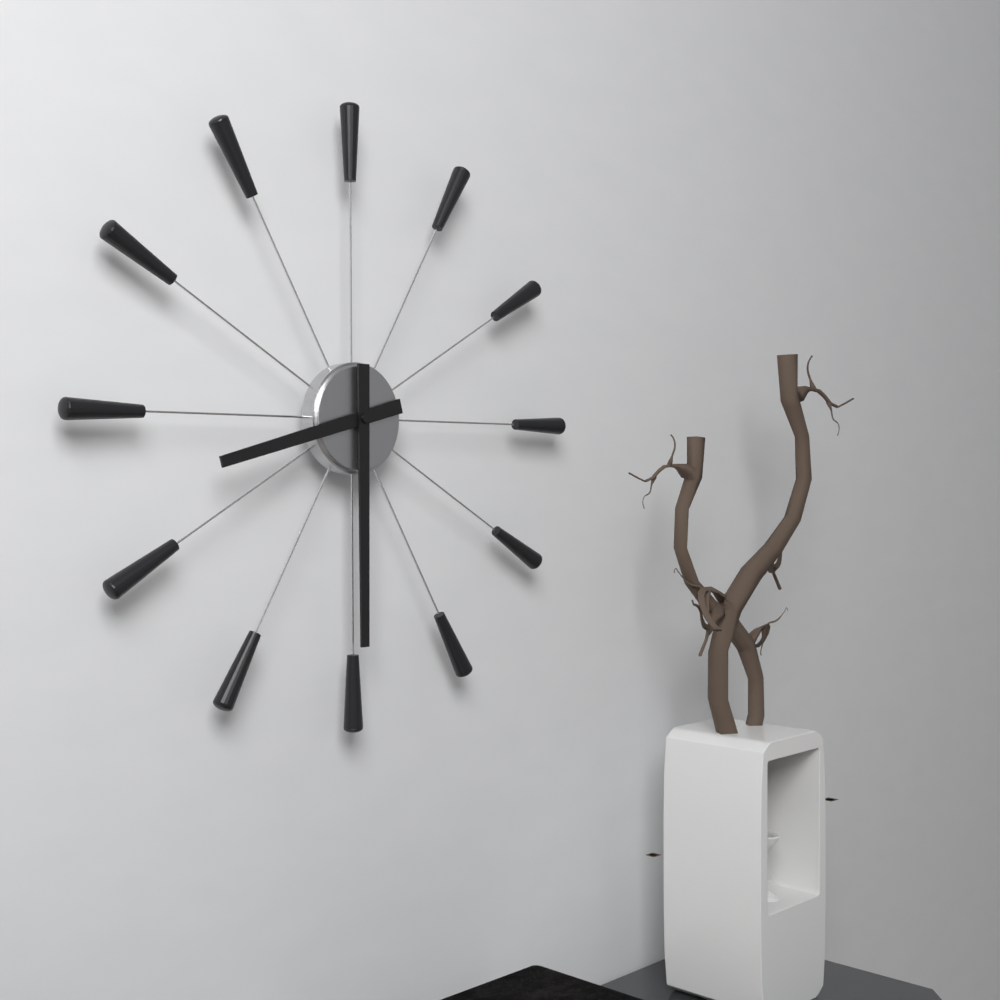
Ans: 8:30
